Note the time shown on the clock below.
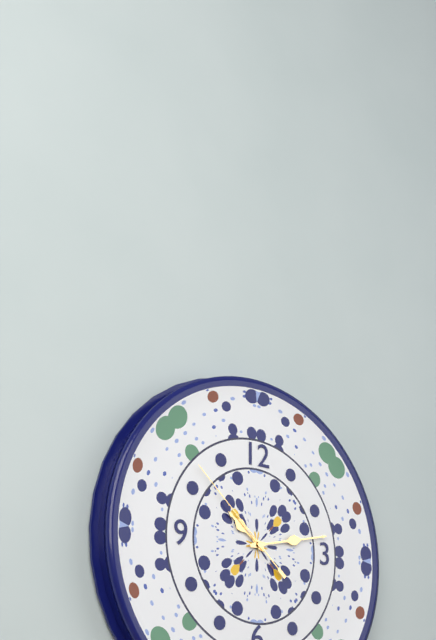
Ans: 10:13:52
